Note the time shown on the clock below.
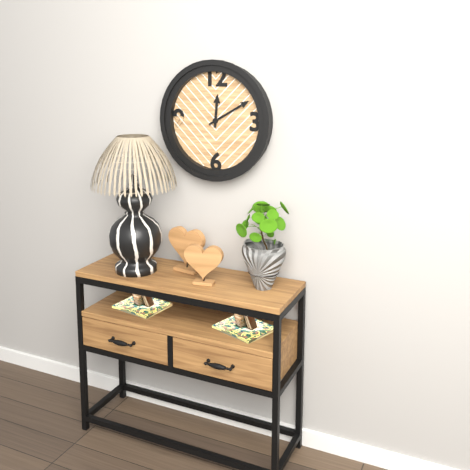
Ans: 12:10
